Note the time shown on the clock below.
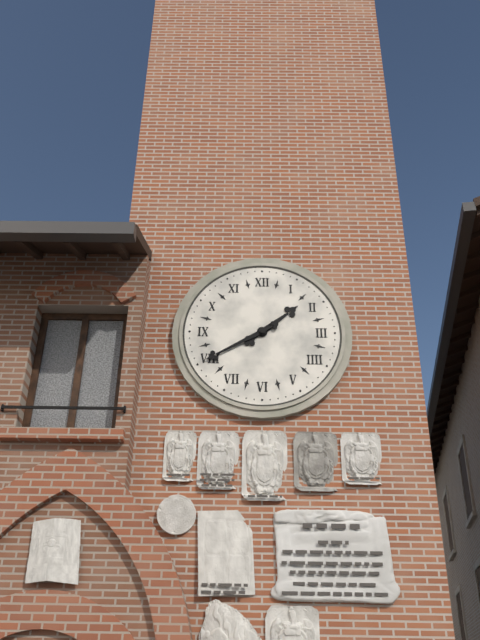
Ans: 1:40
